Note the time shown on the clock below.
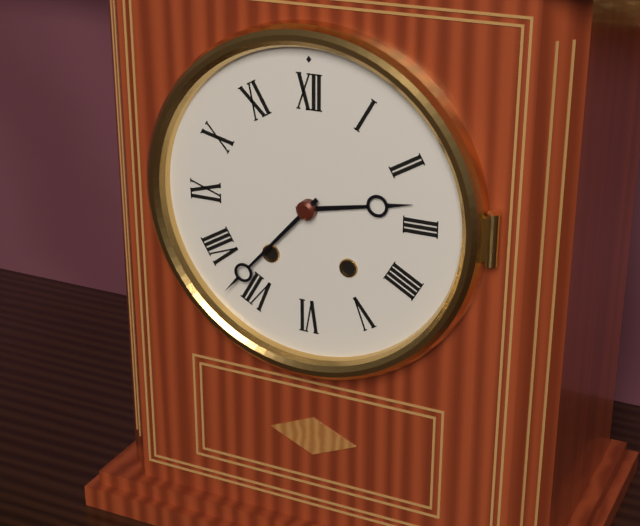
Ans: 2:37
